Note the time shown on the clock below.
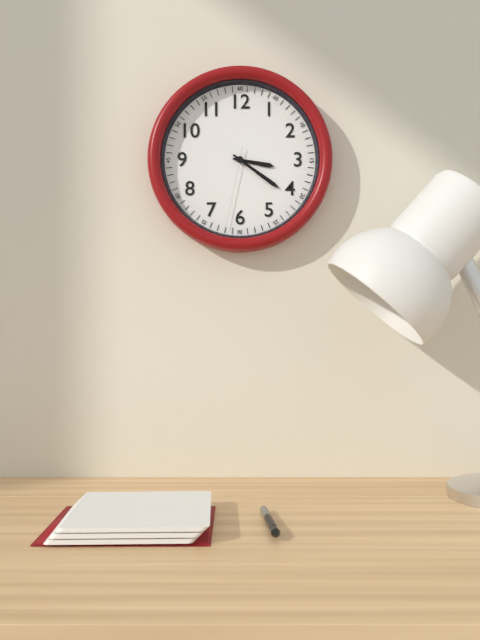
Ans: 3:21:32
